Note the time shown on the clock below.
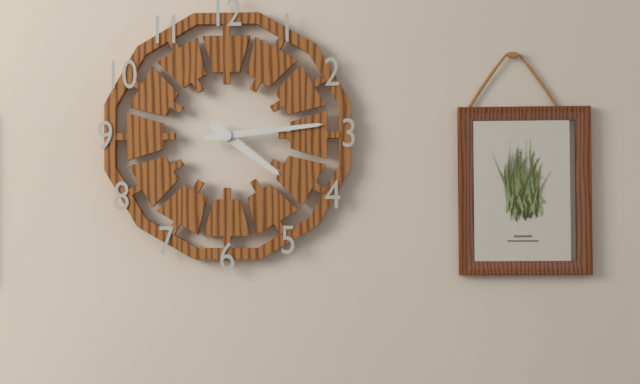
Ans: 4:14
